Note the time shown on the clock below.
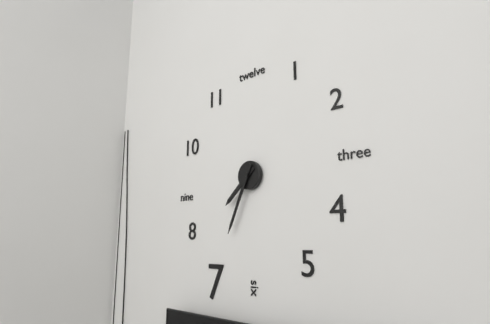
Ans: 7:34
